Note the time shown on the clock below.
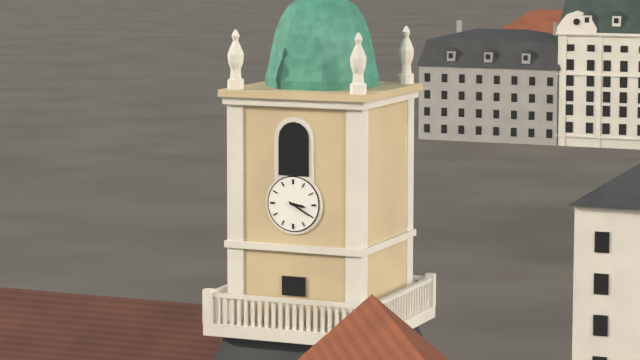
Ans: 3:20
